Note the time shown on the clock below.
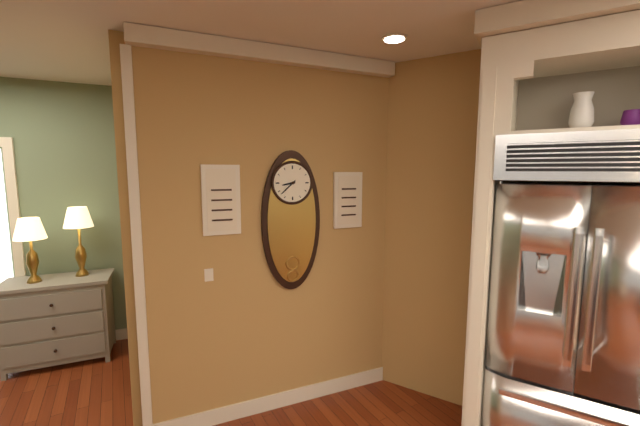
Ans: 8:38
